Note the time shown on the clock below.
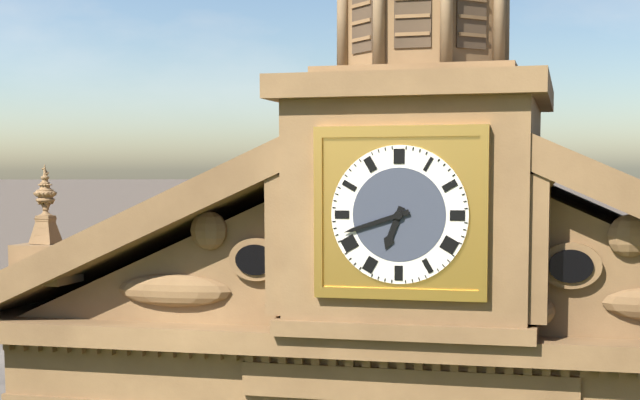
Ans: 6:42
